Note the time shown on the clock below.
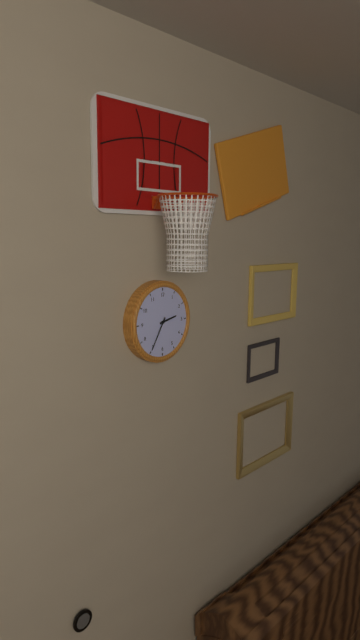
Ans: 2:35
